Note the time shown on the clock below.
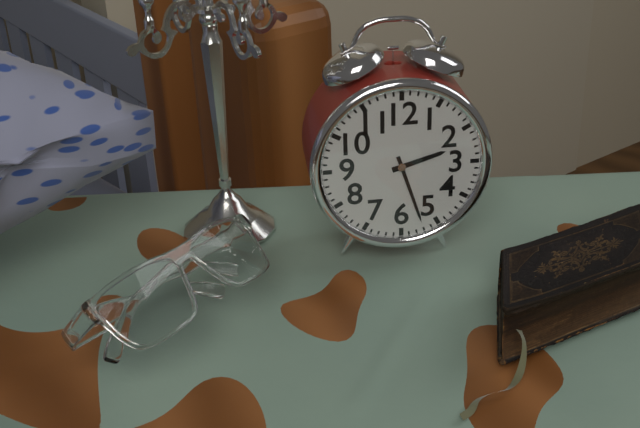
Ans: 2:27
